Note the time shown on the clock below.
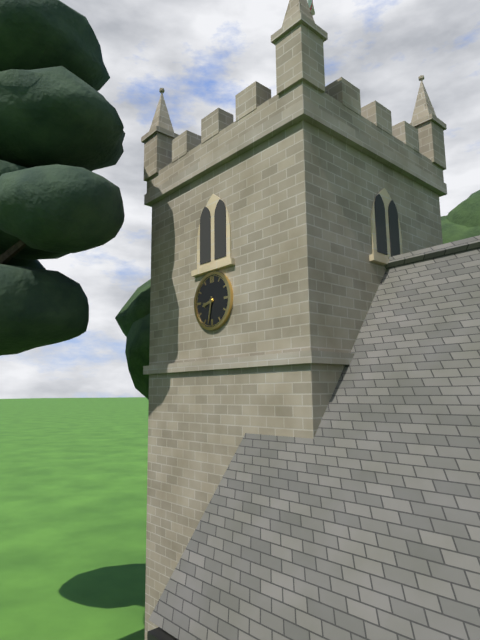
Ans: 8:32
